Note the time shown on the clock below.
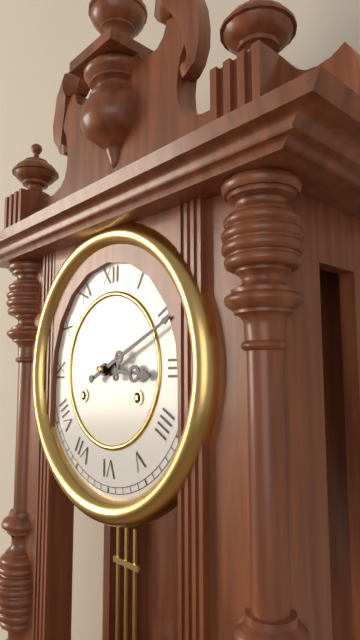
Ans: 3:11
